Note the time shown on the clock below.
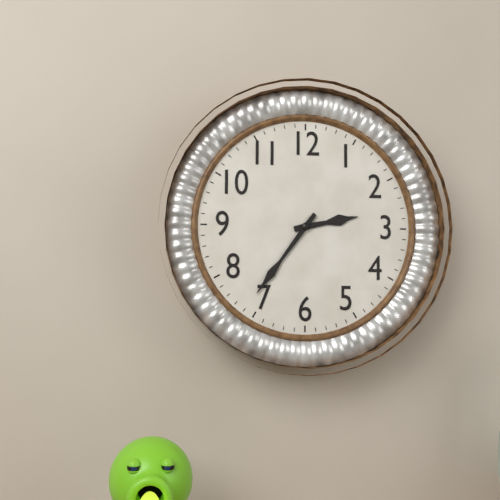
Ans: 2:36
